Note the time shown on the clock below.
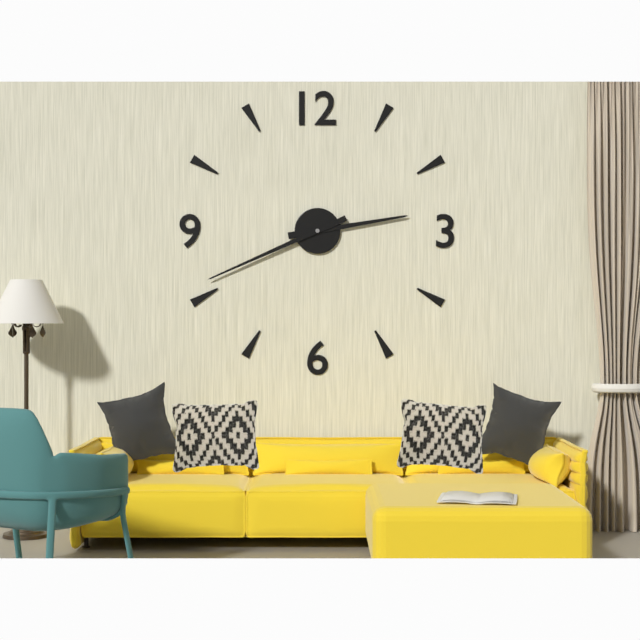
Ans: 2:41
